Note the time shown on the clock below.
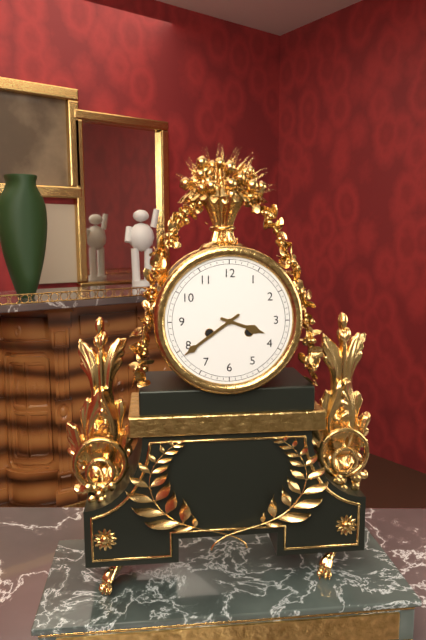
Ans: 3:39
